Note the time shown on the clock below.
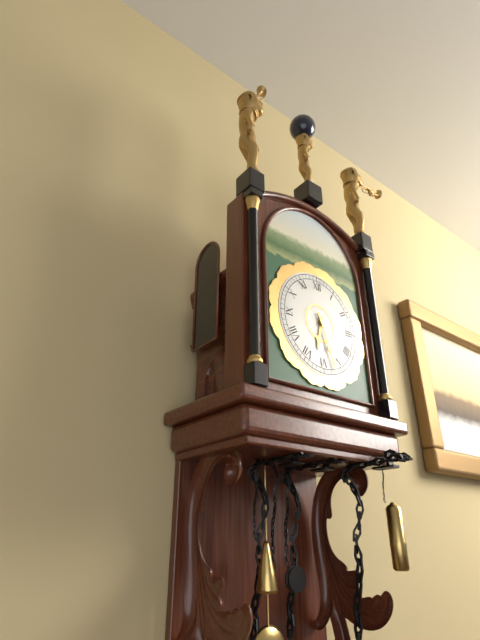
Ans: 6:27
